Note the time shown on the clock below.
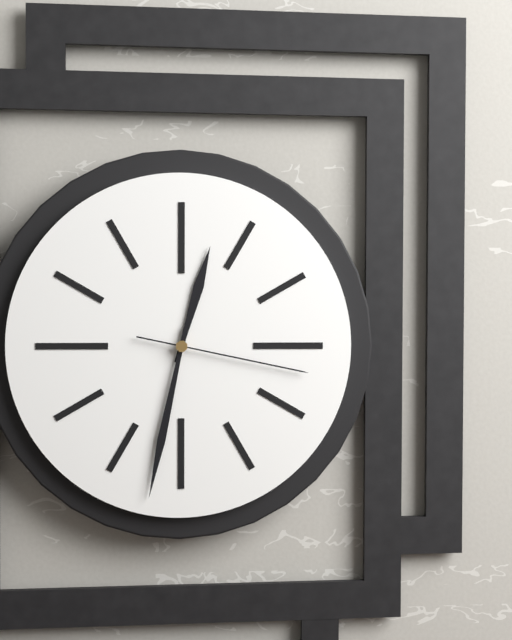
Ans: 12:32:17
